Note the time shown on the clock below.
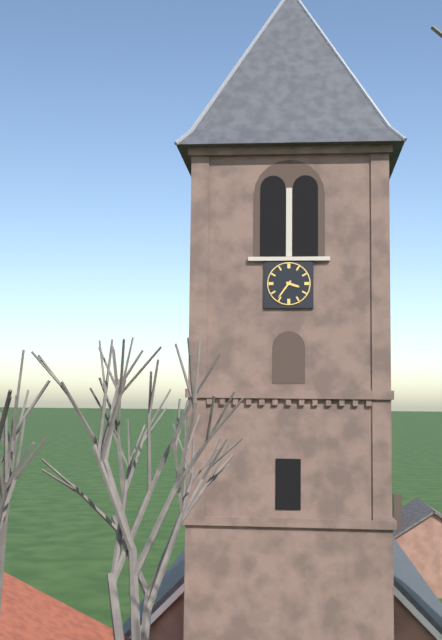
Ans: 3:36
